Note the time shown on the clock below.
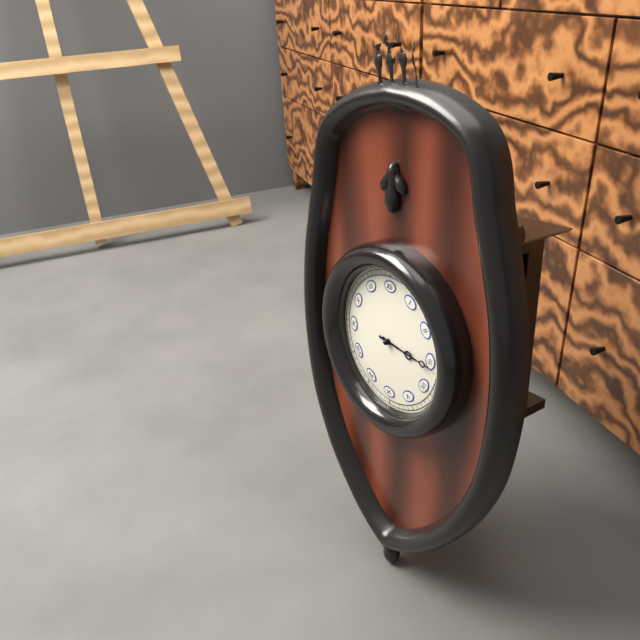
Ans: 3:16
